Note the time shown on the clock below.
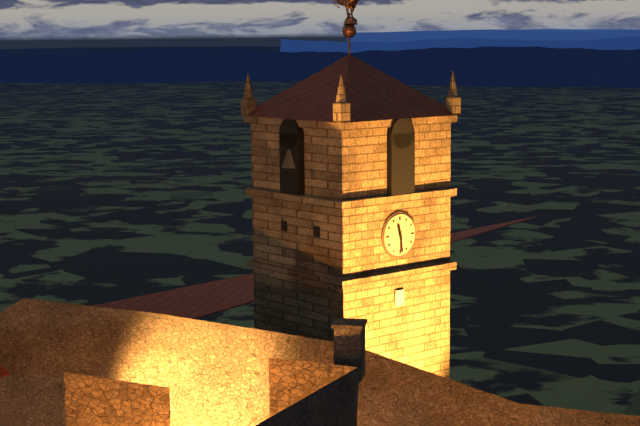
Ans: 11:29
